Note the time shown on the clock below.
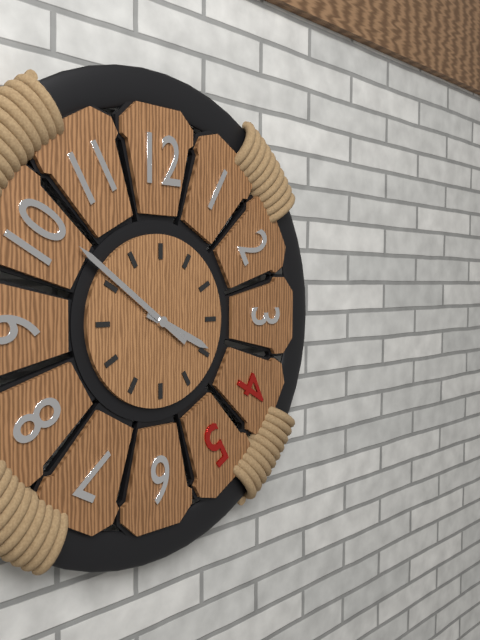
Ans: 3:51
